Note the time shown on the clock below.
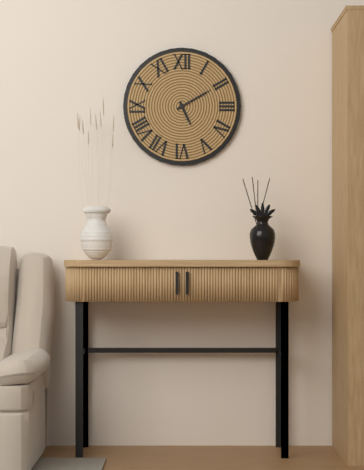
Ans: 5:10
